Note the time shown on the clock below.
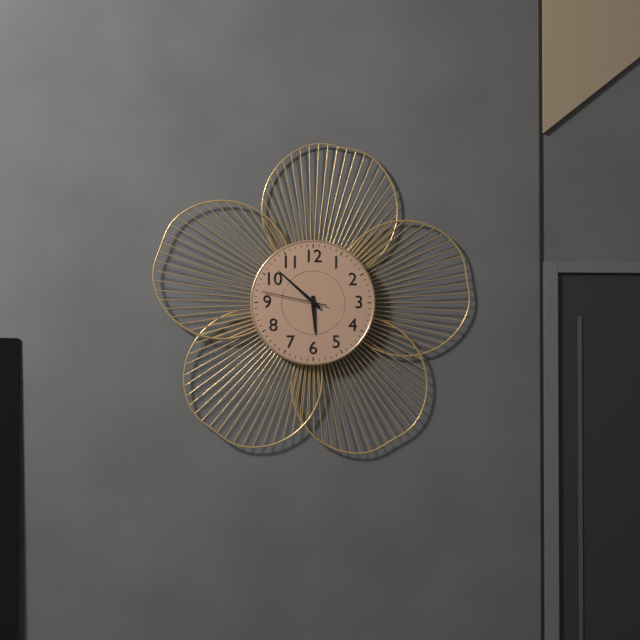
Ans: 5:52:47
